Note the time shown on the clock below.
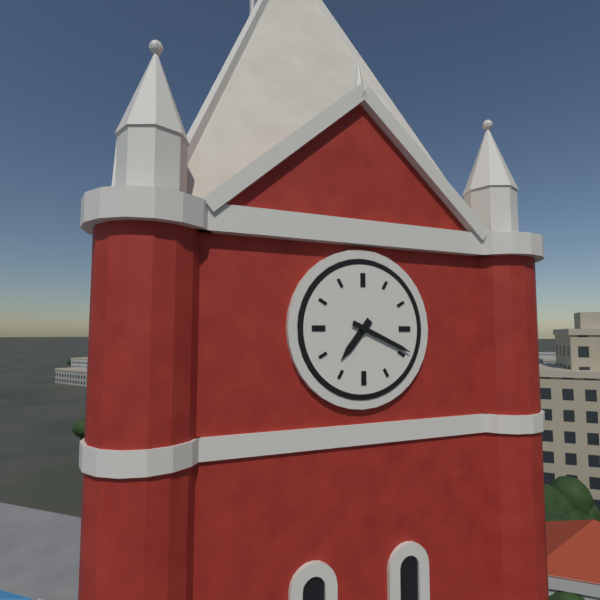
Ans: 7:19
